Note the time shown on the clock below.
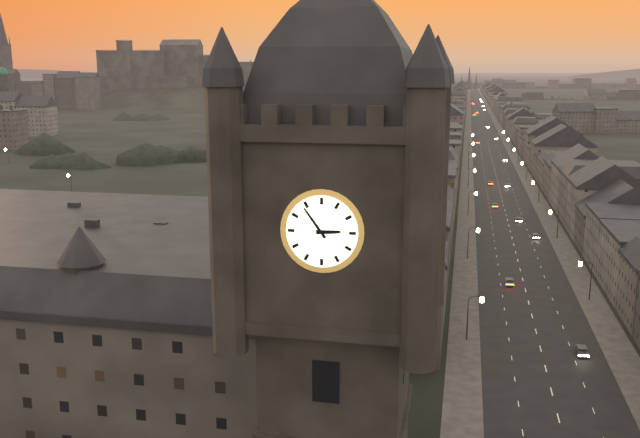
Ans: 2:54
